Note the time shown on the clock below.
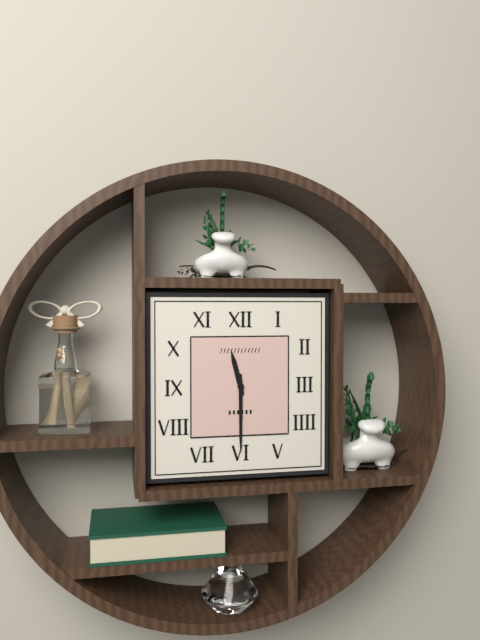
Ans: 11:30
